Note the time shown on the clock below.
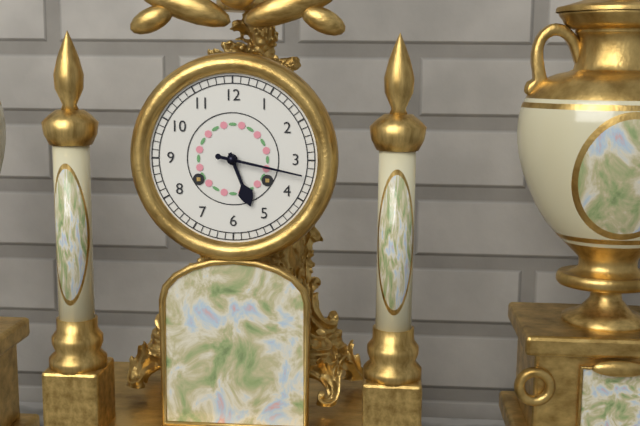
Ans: 5:17
